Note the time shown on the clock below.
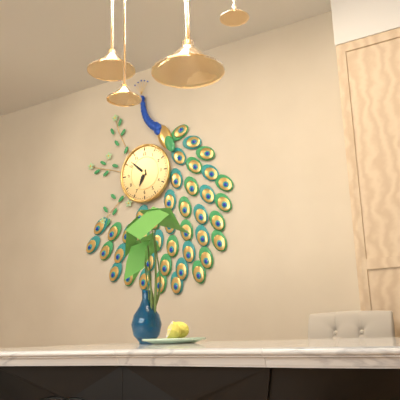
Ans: 6:52
